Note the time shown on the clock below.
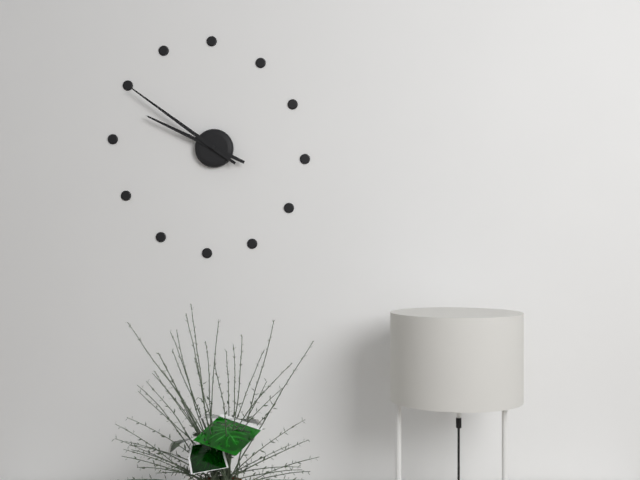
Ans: 9:51
